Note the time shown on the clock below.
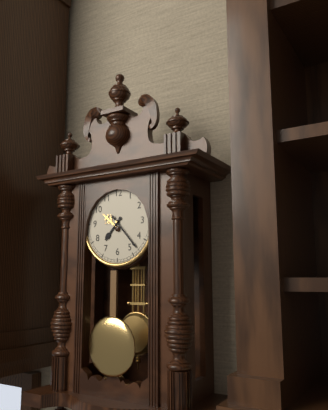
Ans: 7:23
